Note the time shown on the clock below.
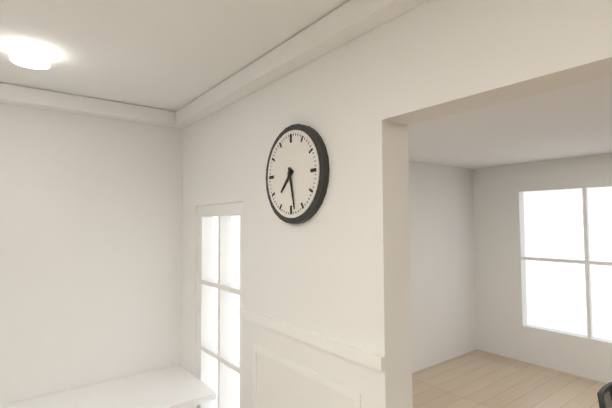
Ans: 7:28
